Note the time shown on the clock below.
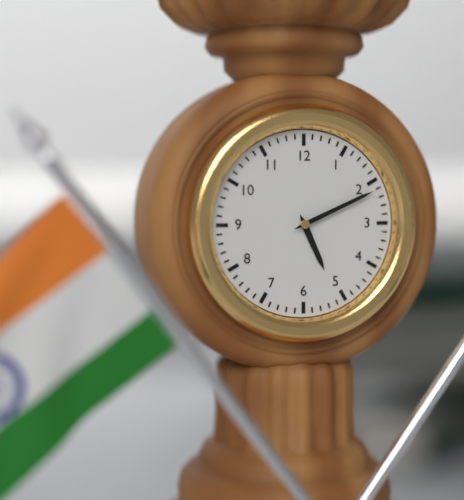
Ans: 5:11
